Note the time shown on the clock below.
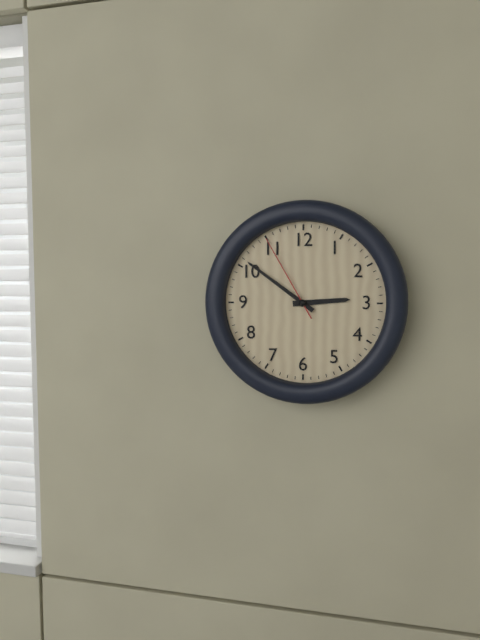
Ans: 2:51:55
